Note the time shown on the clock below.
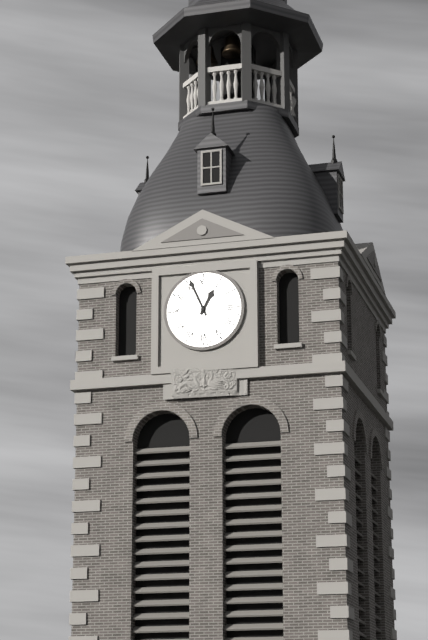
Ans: 12:56
